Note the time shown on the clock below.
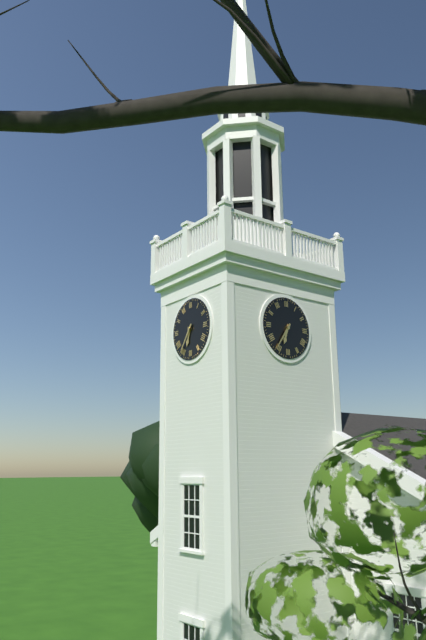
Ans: 6:36
